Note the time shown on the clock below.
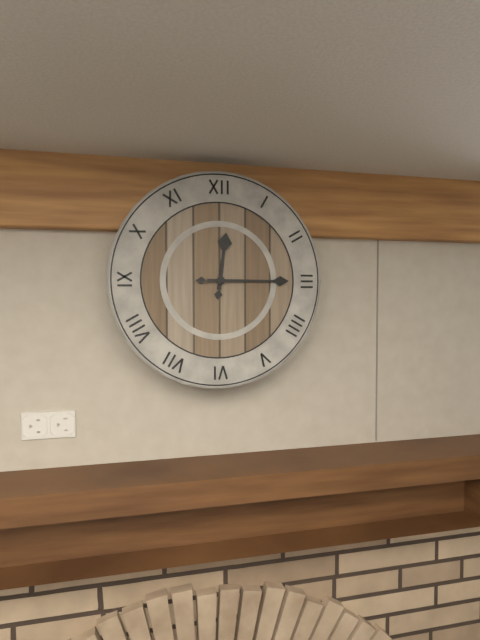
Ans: 12:15
